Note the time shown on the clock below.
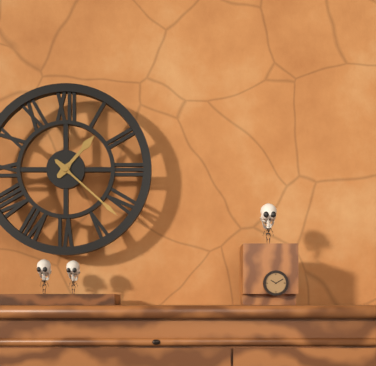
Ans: 1:22
